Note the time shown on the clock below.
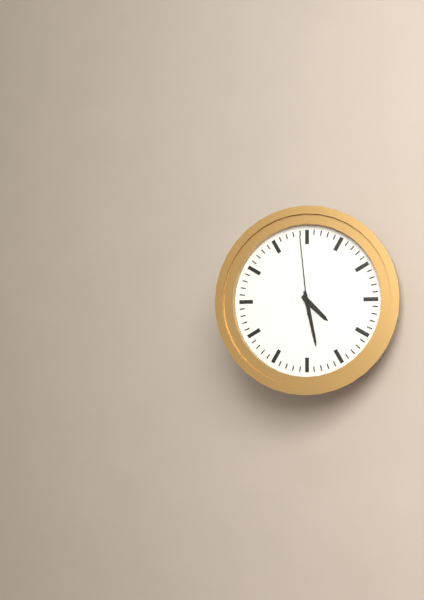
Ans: 4:28:59
